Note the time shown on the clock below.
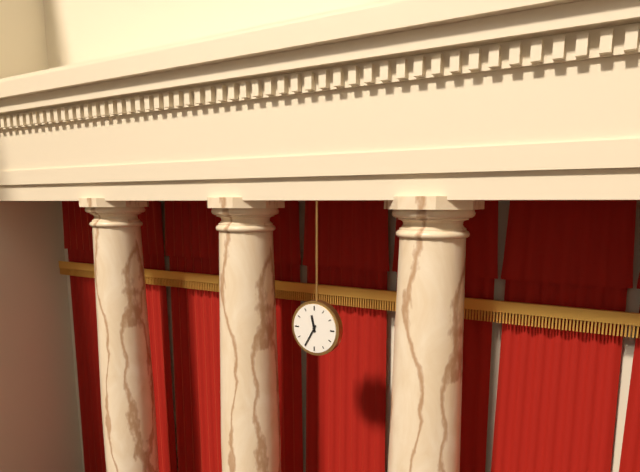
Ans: 11:35
